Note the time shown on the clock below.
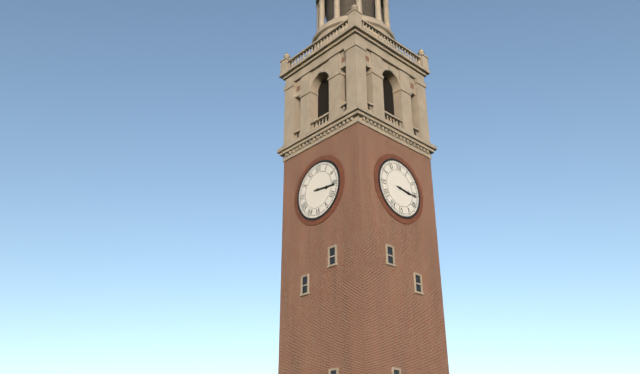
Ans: 3:16
